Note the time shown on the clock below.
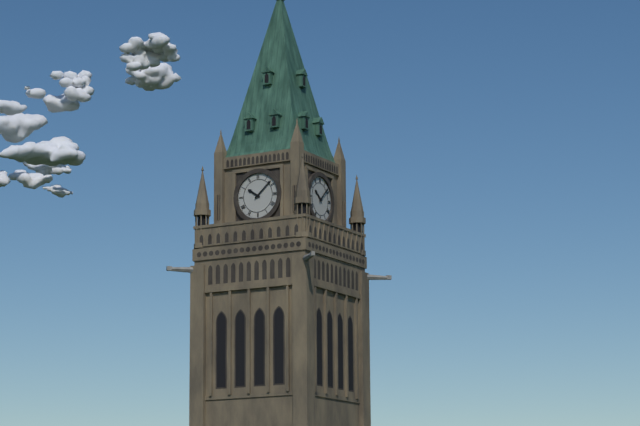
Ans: 10:08
